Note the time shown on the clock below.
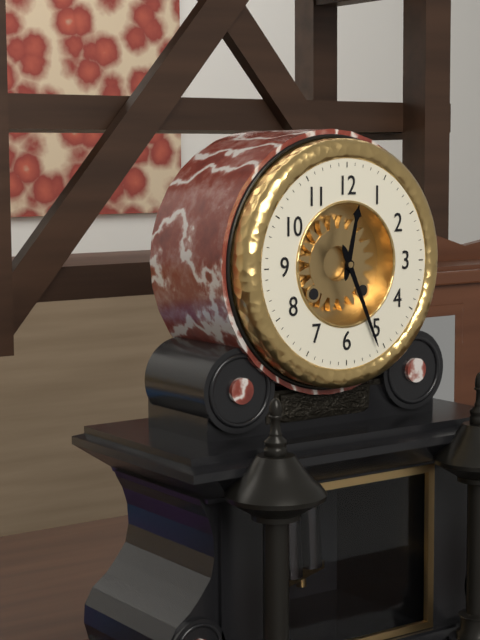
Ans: 12:26
